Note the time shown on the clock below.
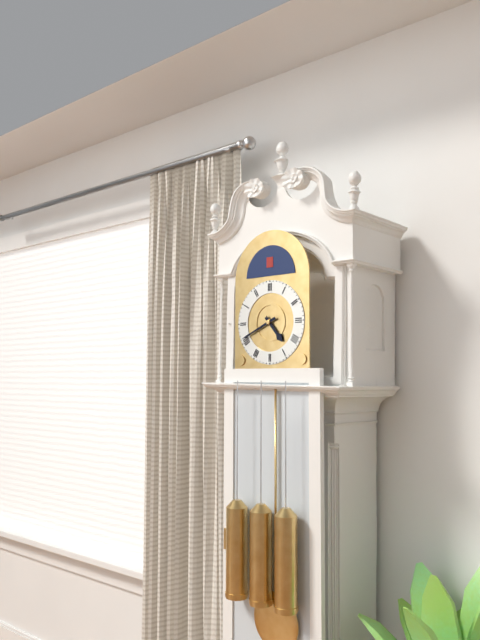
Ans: 4:41
